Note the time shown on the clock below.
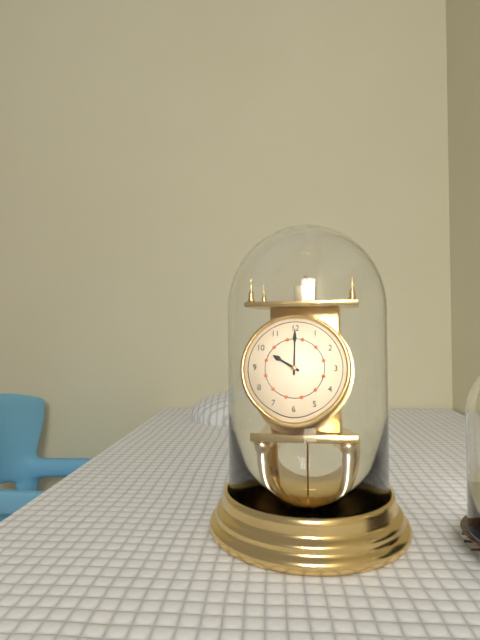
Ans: 10:00
